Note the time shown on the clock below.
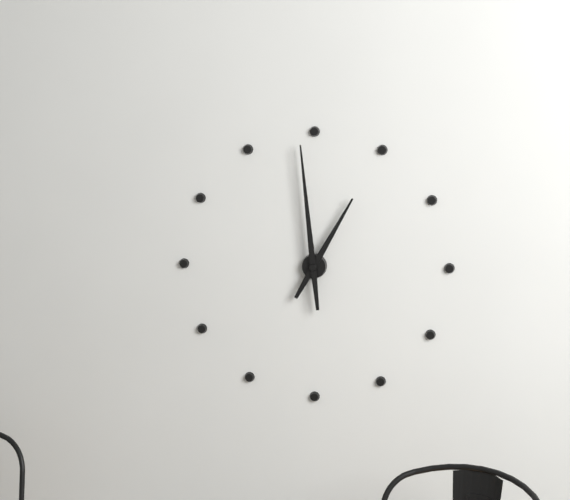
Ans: 12:59
